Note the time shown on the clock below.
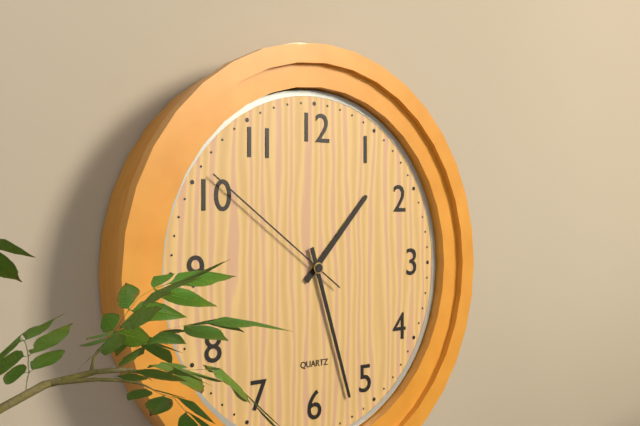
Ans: 1:27:51
